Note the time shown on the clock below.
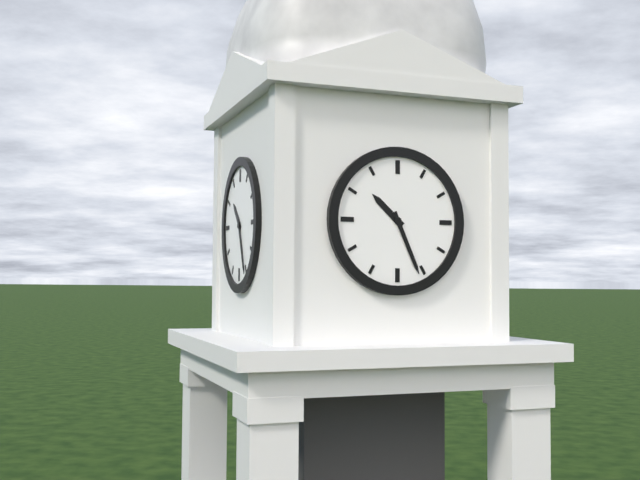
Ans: 10:26
